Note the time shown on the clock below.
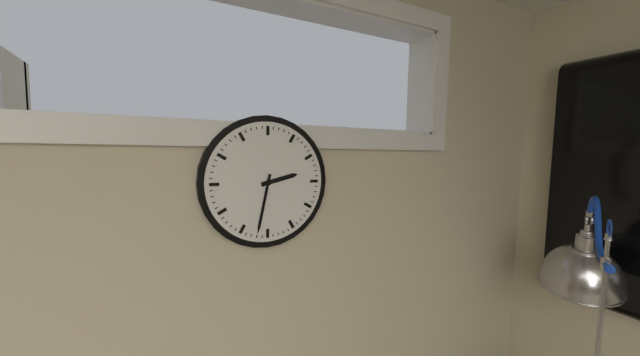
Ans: 2:32
